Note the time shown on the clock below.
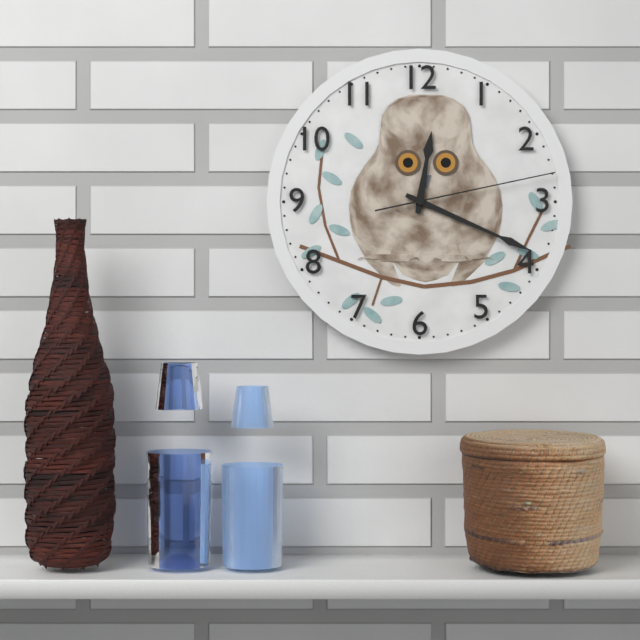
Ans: 12:19:13
